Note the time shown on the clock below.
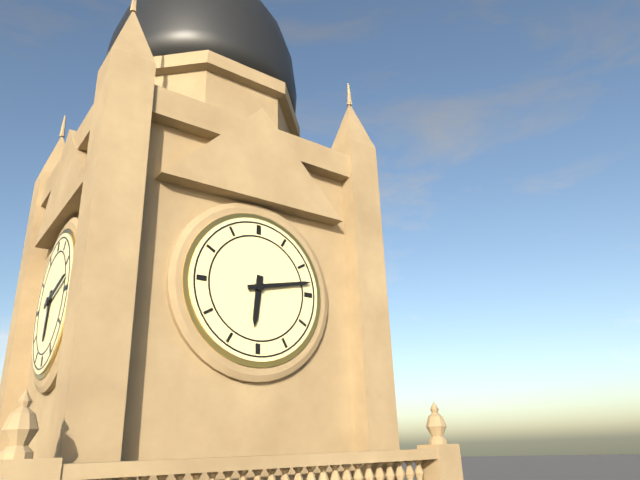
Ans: 6:13
